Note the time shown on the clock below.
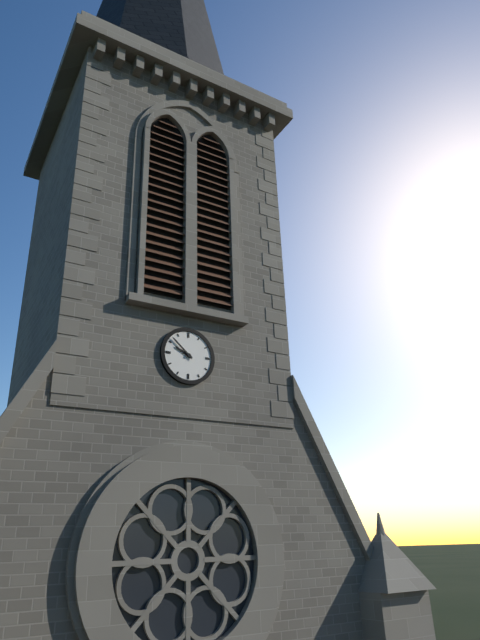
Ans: 9:52
